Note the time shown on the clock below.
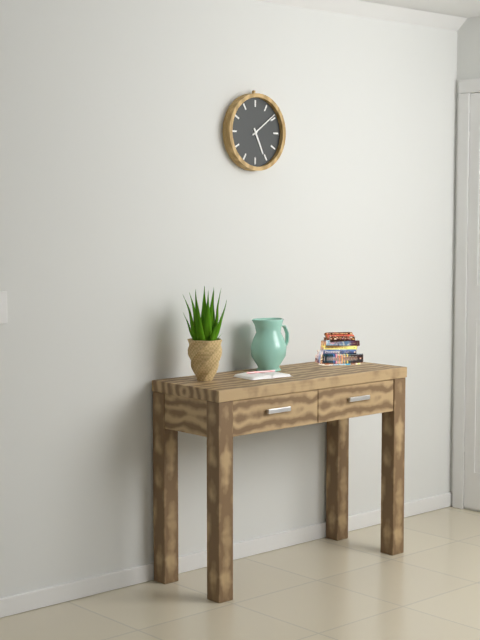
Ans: 5:09
